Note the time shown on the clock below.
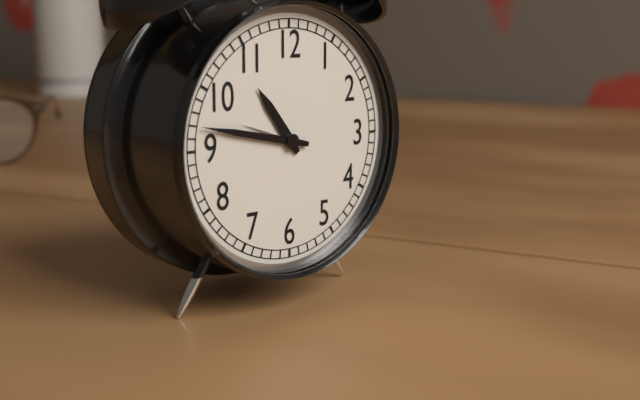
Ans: 10:47
